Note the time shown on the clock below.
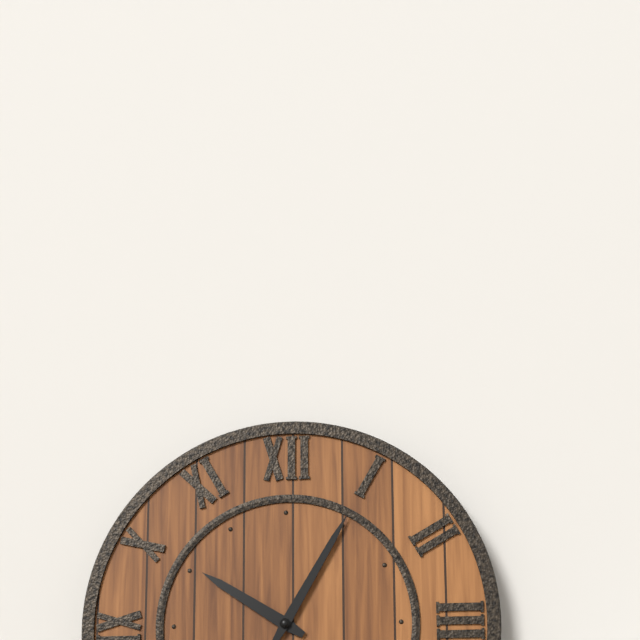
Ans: 10:05
